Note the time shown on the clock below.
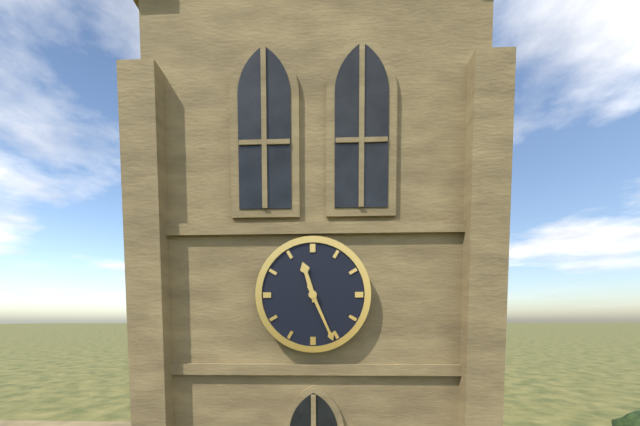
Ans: 11:26
